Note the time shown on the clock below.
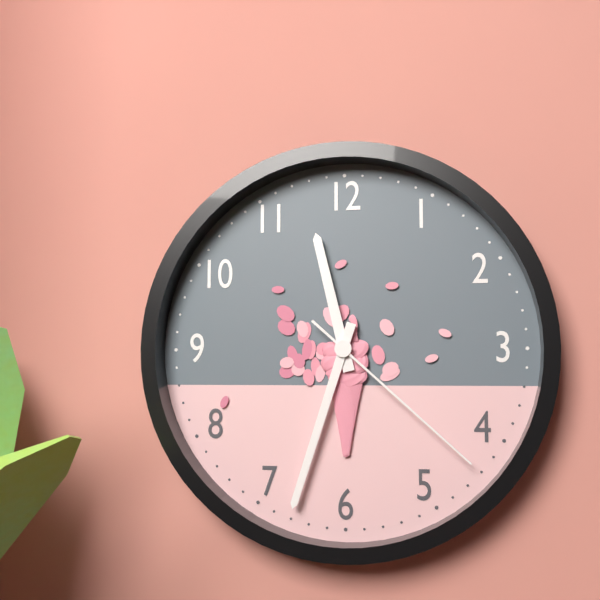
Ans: 11:33:22
